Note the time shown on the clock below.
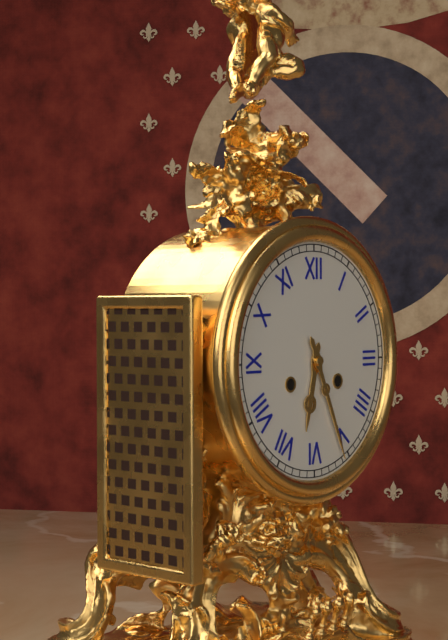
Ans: 6:26
